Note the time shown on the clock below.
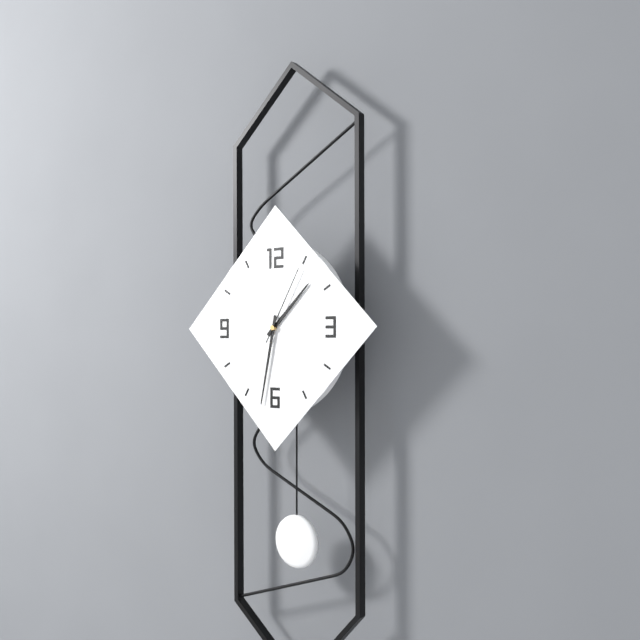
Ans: 1:32:05
